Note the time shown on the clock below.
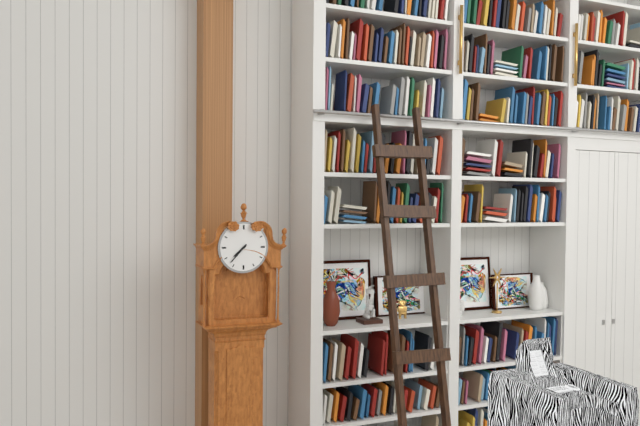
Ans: 7:37
